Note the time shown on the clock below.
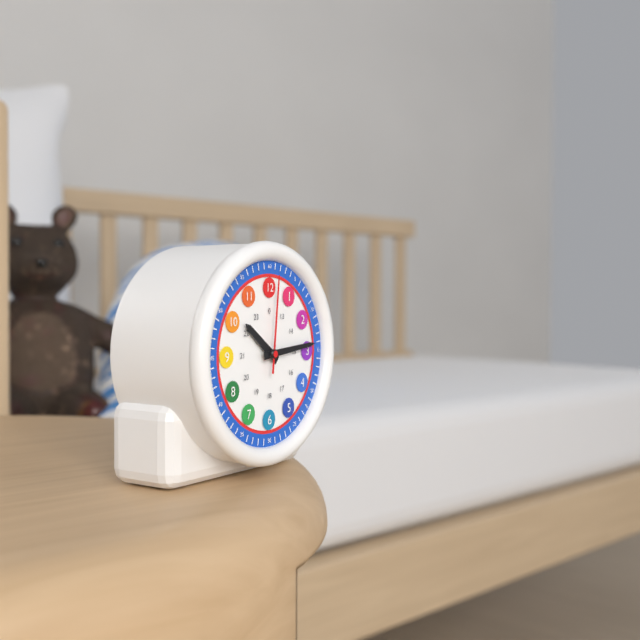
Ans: 10:14:01
